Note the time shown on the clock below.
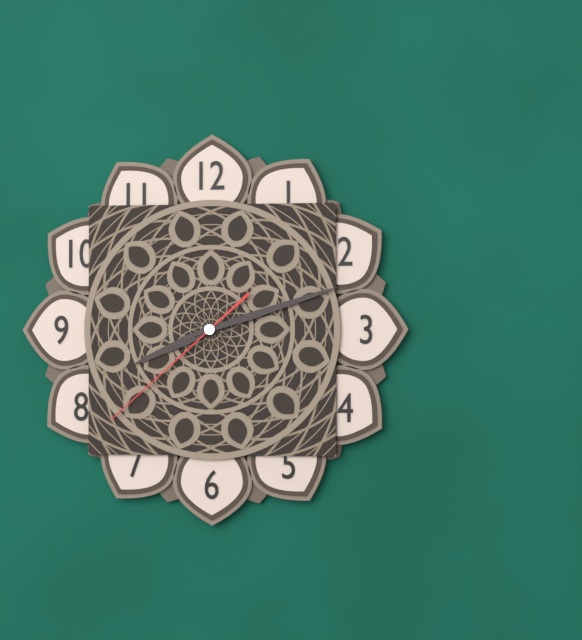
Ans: 8:12:38
